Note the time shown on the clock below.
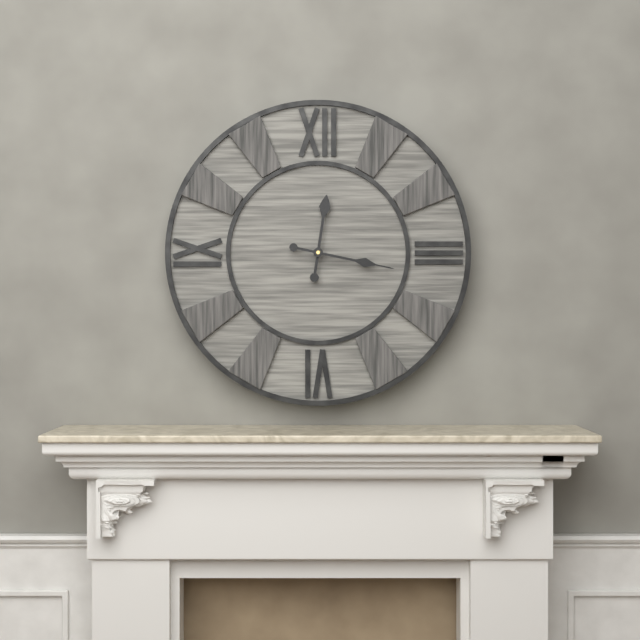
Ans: 12:17
